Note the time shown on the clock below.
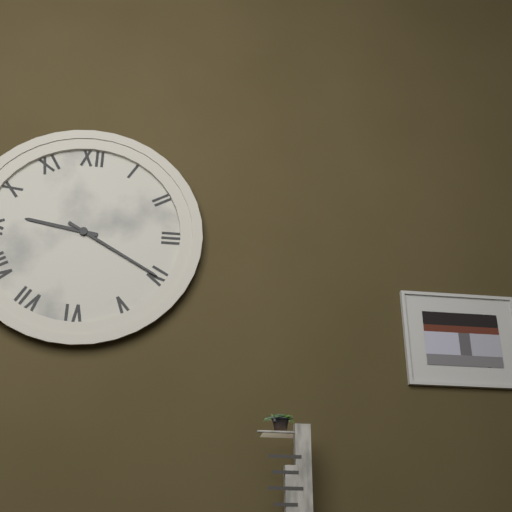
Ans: 9:20
